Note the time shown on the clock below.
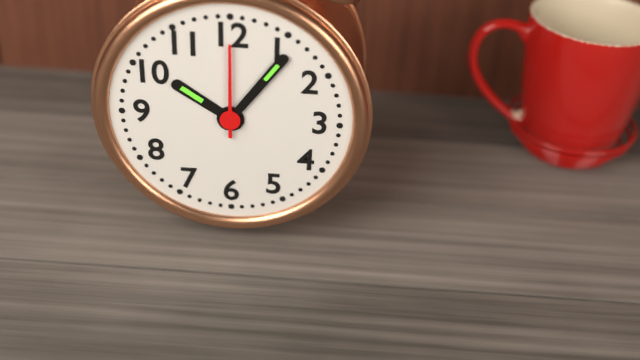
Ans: 10:06:00
